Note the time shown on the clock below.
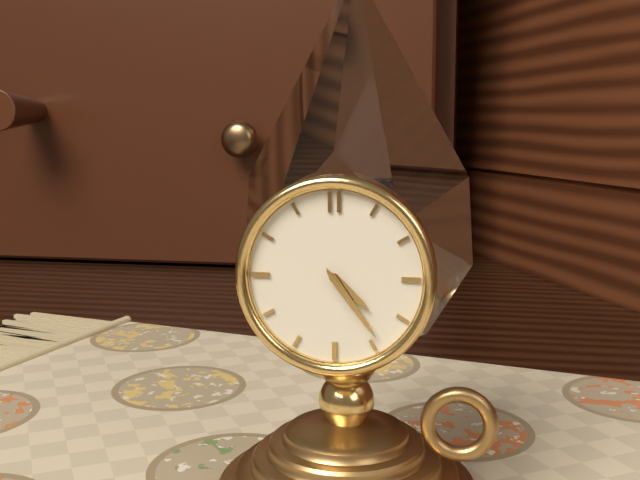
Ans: 4:24
